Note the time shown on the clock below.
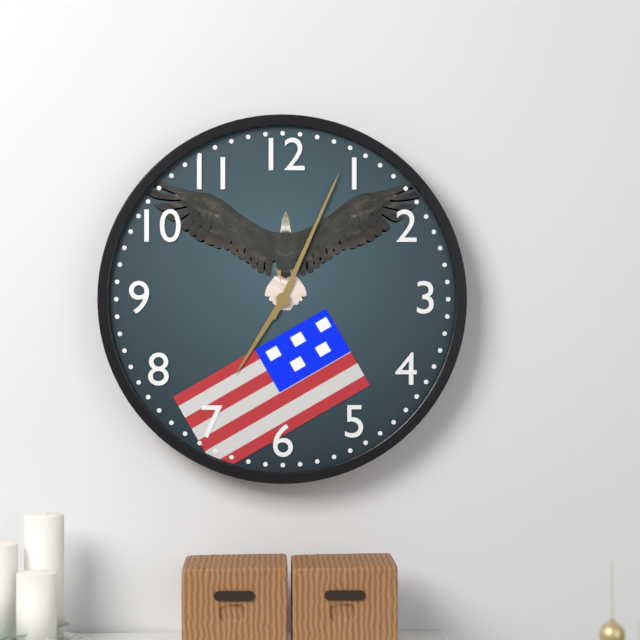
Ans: 7:04
